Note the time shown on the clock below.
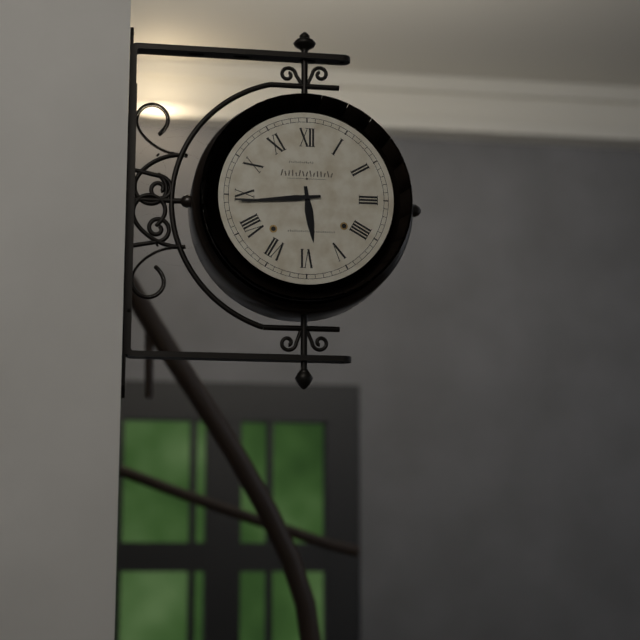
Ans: 5:44
